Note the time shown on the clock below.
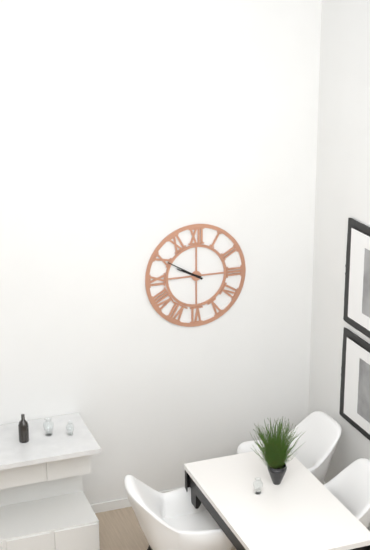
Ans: 9:50
